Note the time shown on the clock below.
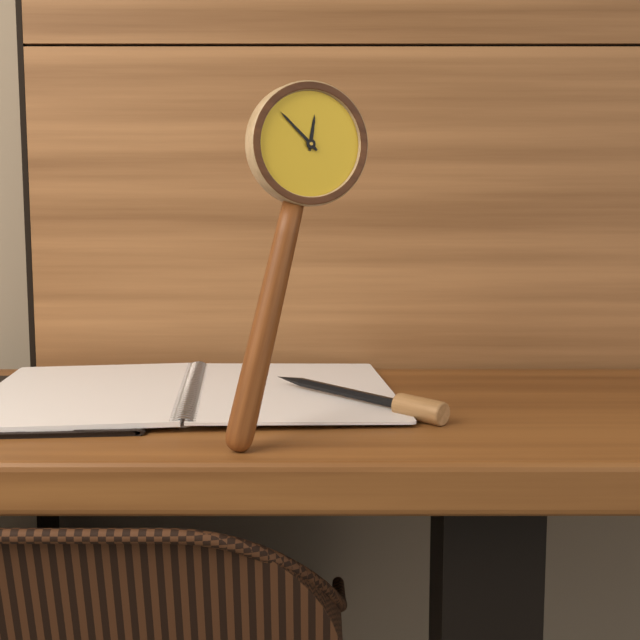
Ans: 11:50
